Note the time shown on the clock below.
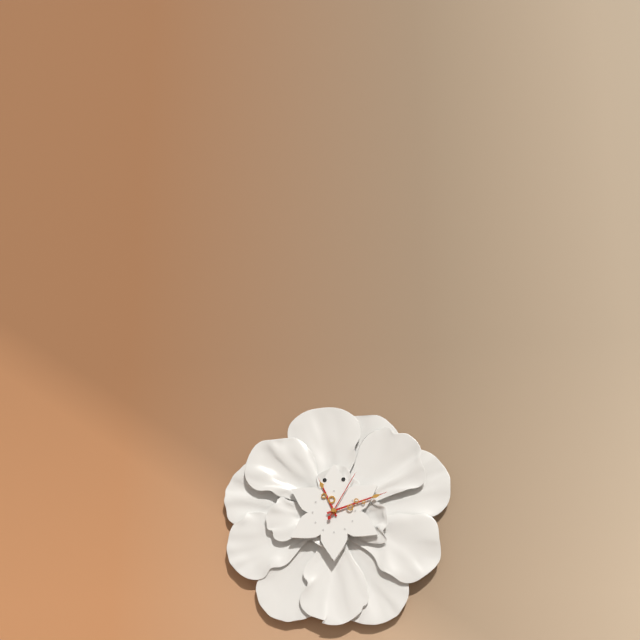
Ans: 11:12:05
